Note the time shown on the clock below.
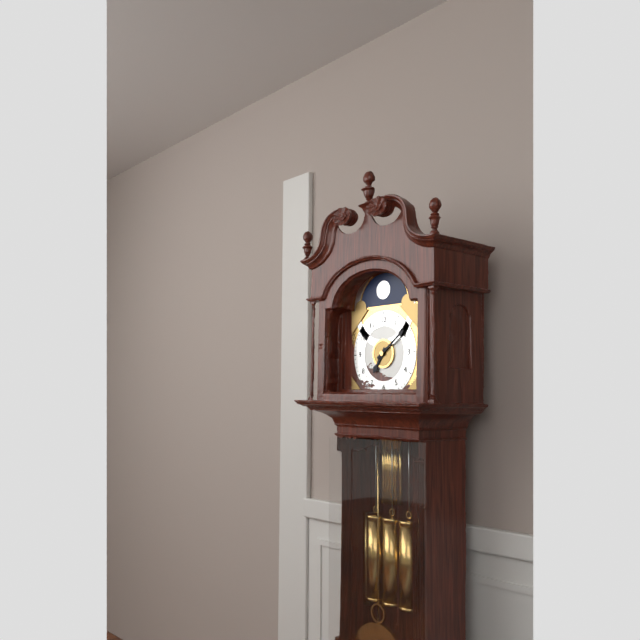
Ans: 7:09
